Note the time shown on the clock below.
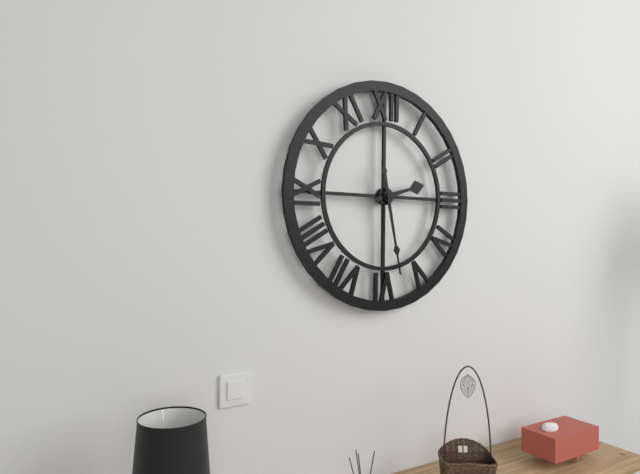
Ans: 2:28
